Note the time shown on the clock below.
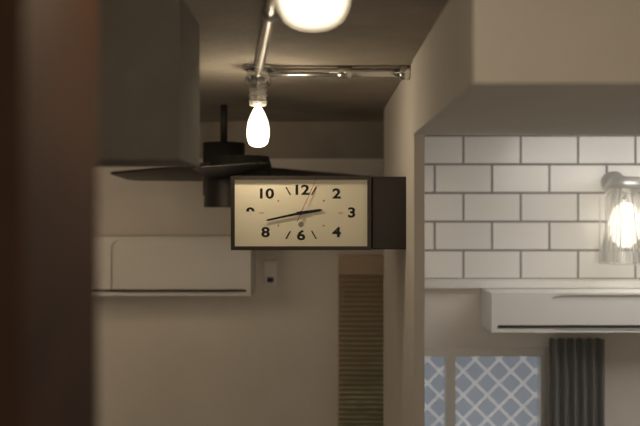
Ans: 2:43:04
